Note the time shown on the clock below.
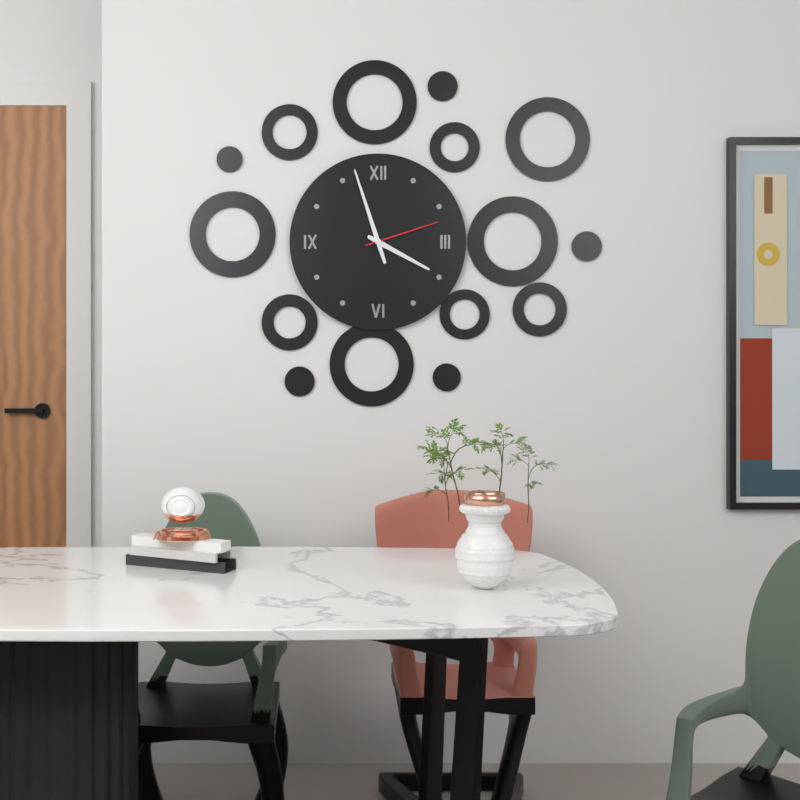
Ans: 3:57:12
